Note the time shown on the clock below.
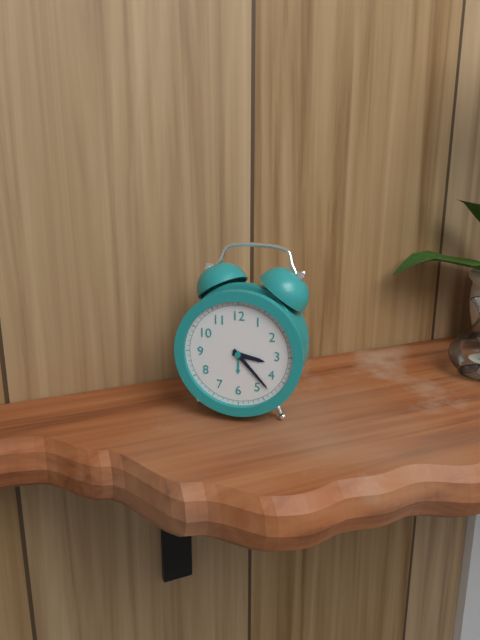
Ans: 3:23
